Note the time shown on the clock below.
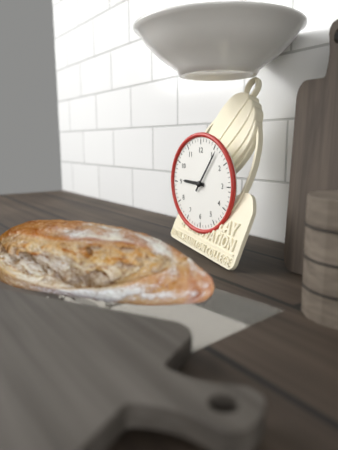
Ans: 9:06
